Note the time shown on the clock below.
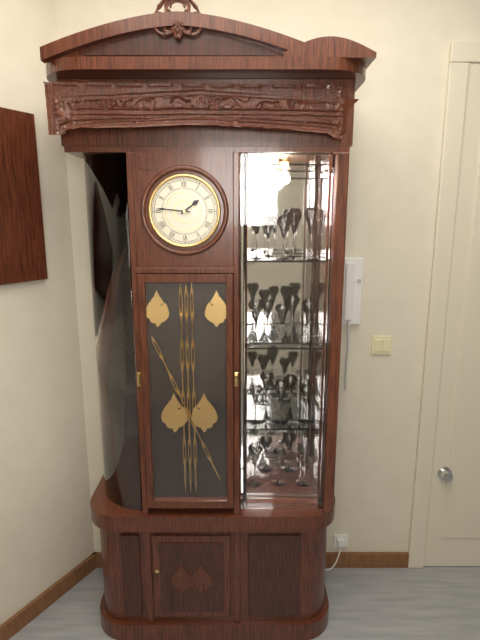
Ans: 1:46
